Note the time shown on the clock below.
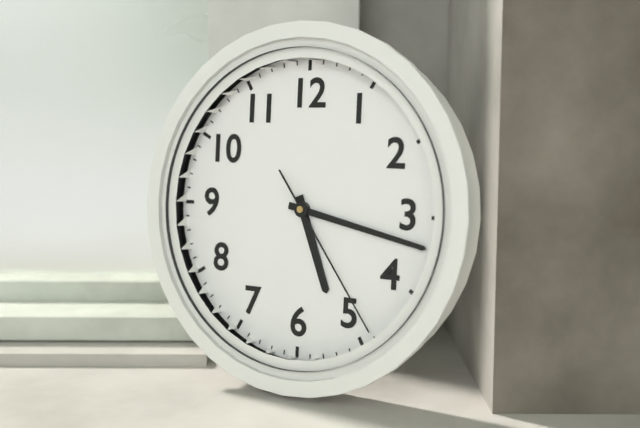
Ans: 5:17:24
